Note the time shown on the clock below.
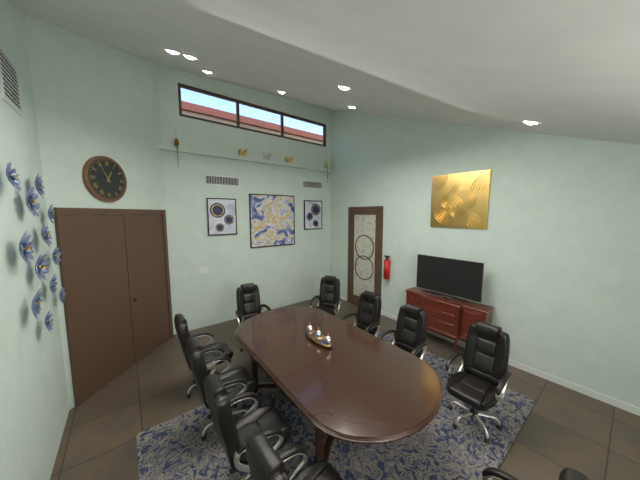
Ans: 12:55
